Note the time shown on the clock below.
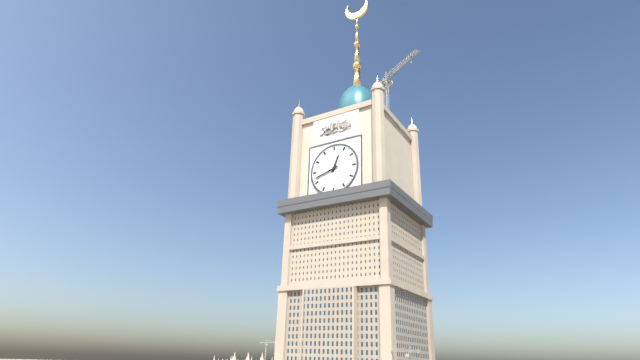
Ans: 12:42
